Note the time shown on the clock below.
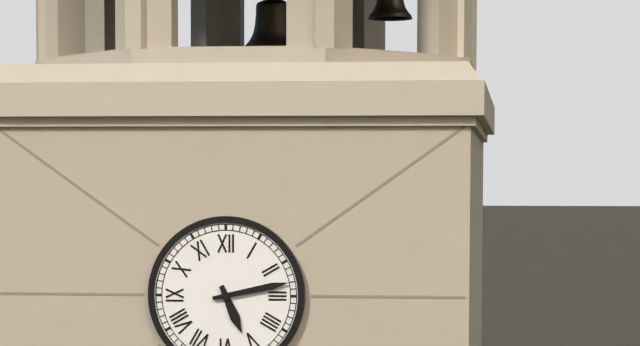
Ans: 5:13
